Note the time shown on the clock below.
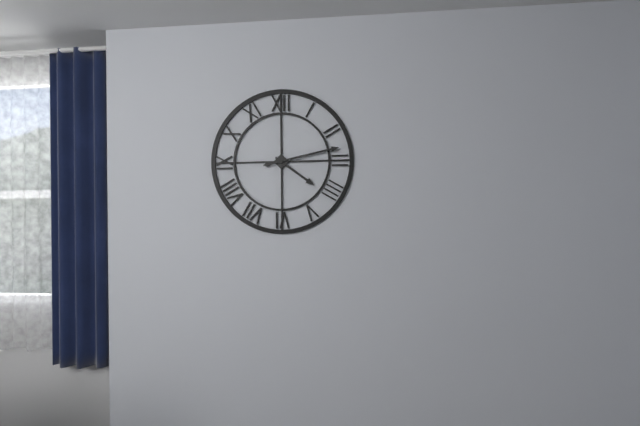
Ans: 4:13
